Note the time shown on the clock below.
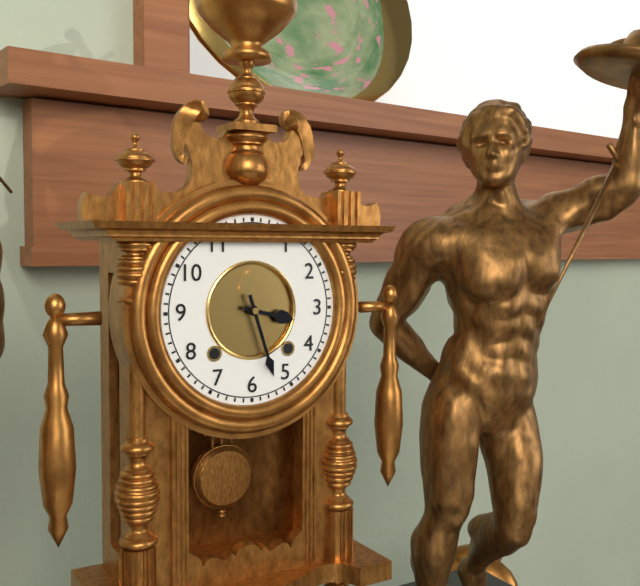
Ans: 3:27
